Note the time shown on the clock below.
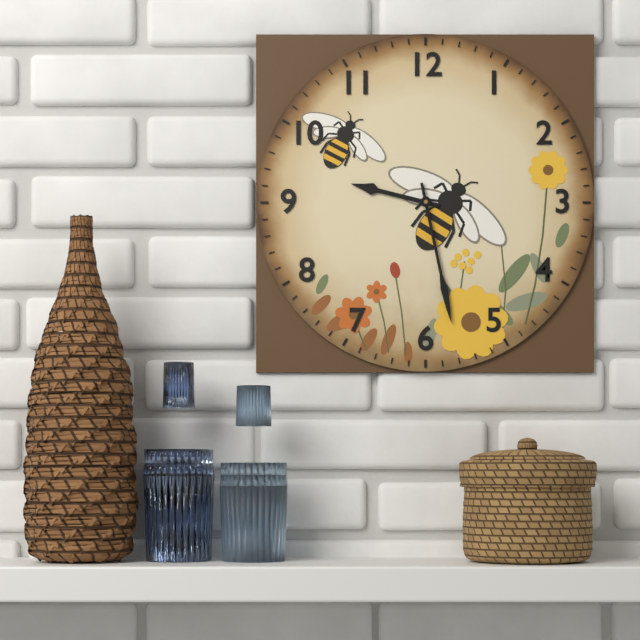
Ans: 9:28
